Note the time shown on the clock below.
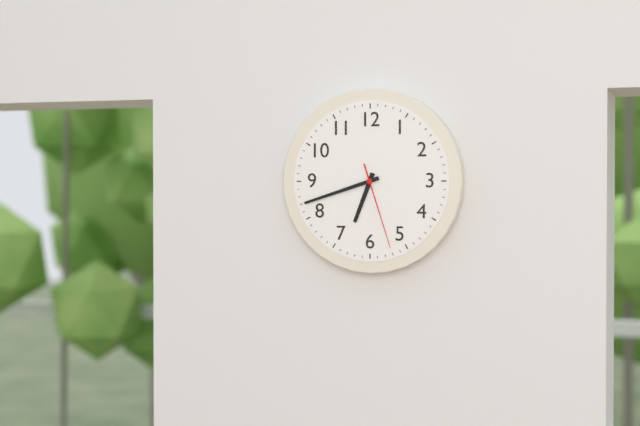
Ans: 6:42:27
